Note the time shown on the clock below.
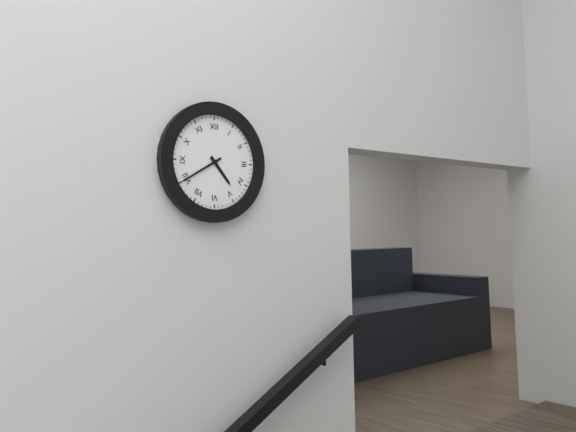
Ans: 4:40
